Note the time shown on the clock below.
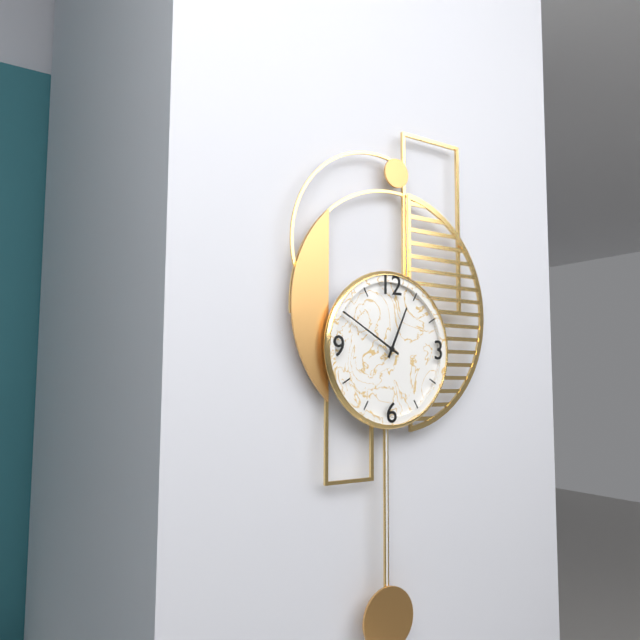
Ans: 12:50
